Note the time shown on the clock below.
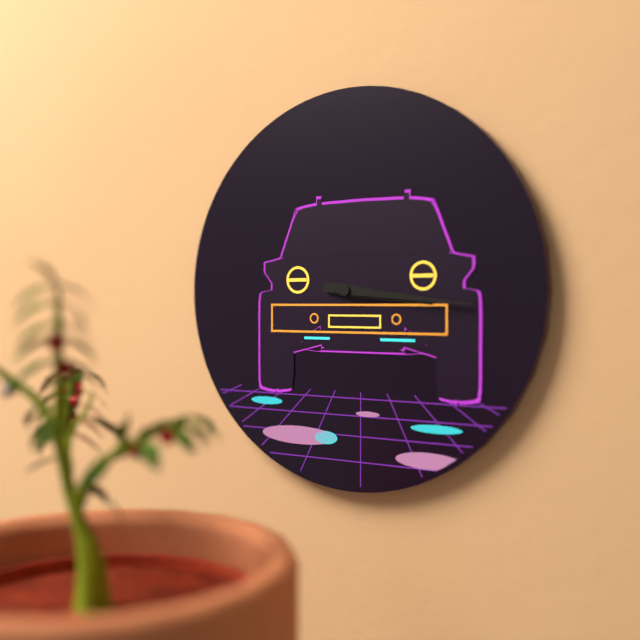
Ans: 3:16
